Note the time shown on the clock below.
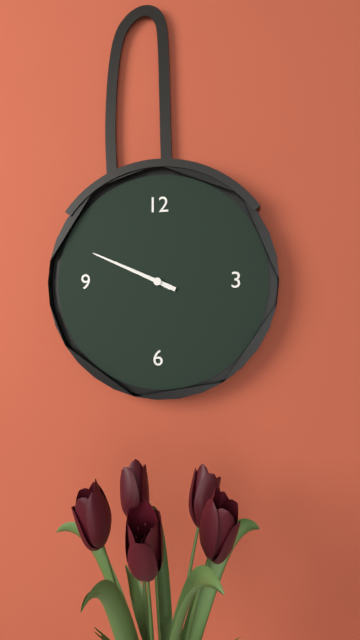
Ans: 9:49
